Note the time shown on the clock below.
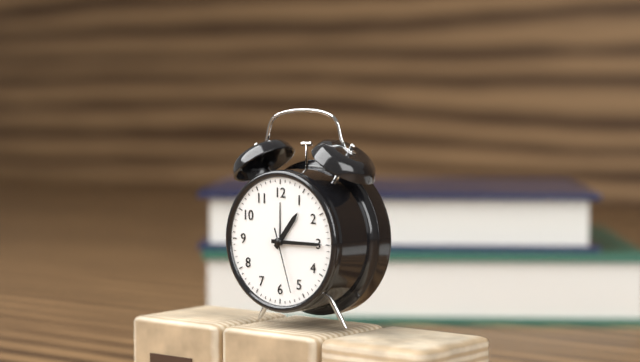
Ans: 1:15:27
